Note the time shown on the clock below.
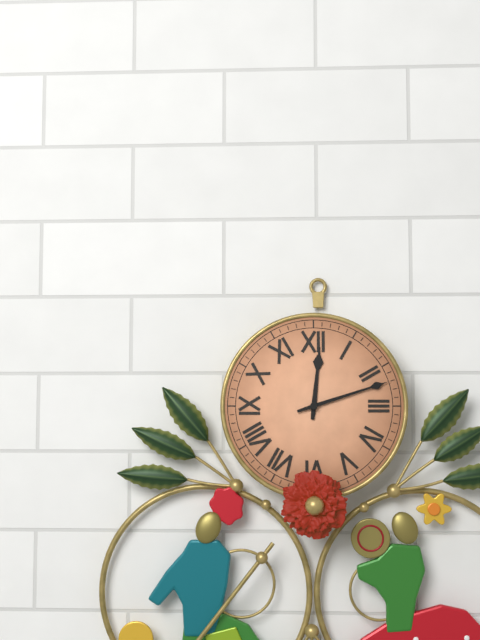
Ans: 12:12
